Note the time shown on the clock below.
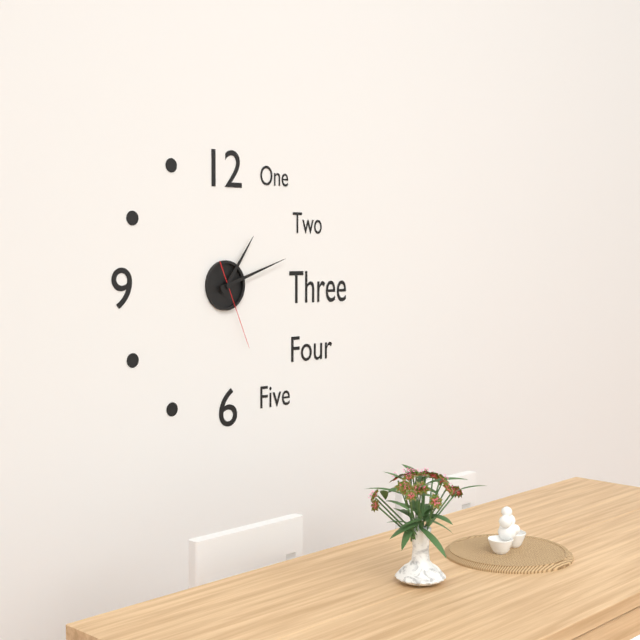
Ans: 1:12:26
